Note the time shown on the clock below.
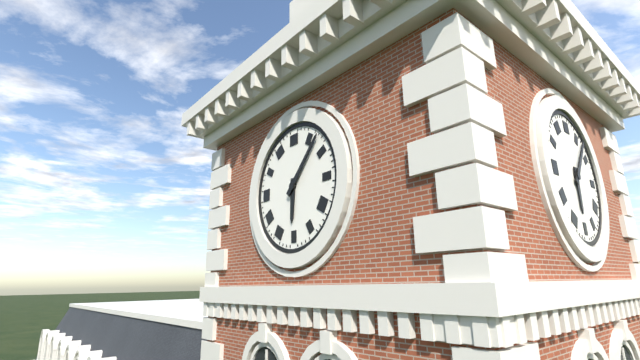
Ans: 6:07
